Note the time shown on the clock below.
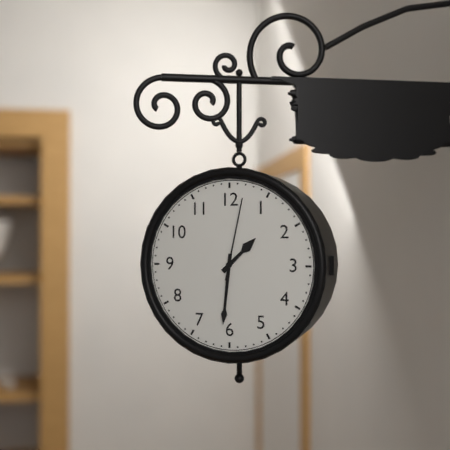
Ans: 1:31:02
